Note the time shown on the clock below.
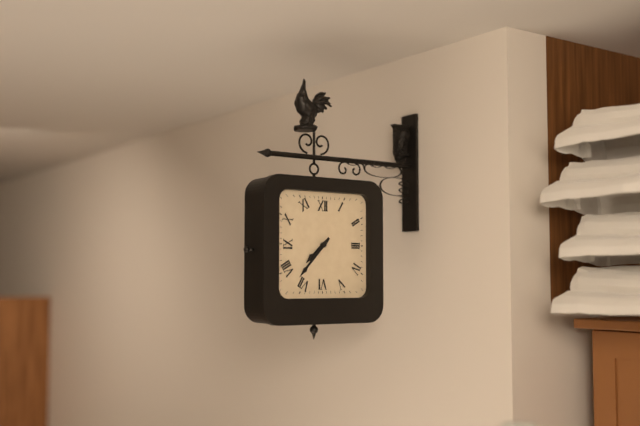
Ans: 7:37
